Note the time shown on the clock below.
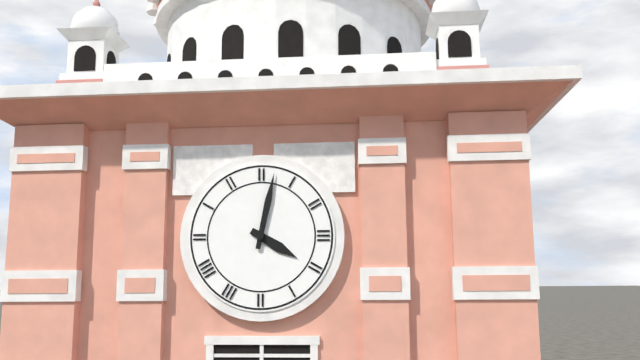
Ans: 4:02
